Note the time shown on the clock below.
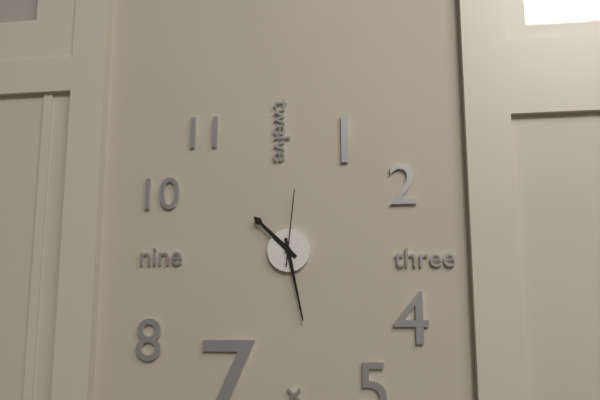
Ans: 10:28:01
